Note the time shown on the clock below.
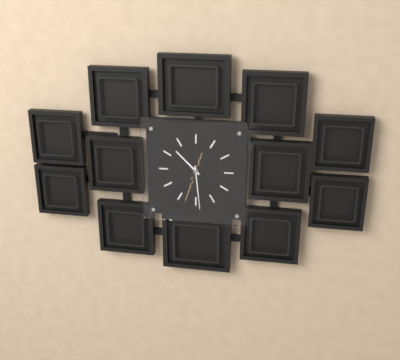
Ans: 10:29
